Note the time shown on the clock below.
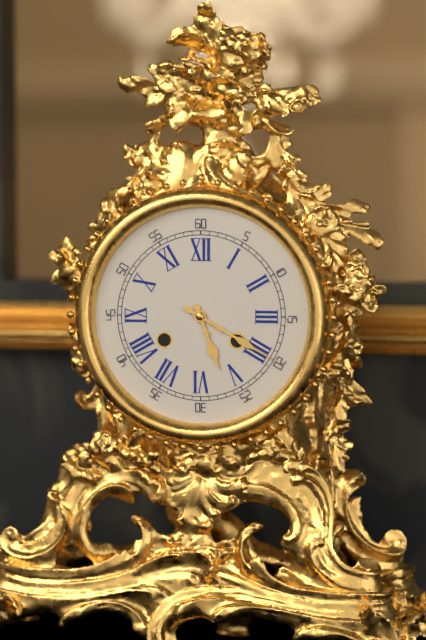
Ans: 5:20
